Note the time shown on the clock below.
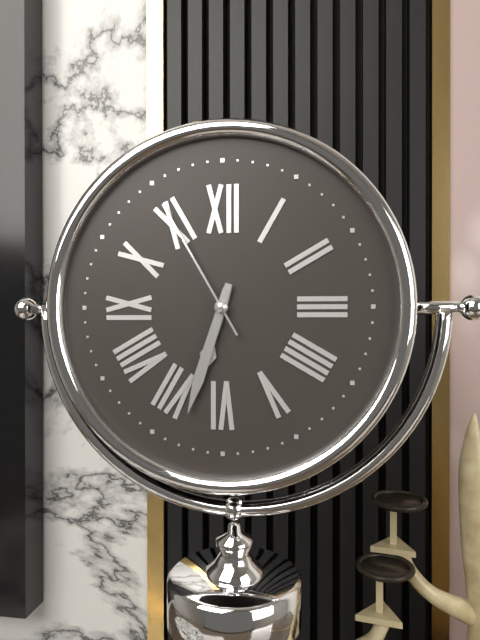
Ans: 6:33:55
